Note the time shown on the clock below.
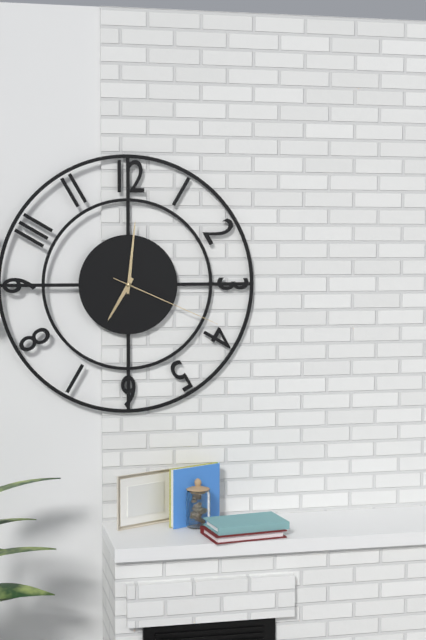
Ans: 7:01:19
